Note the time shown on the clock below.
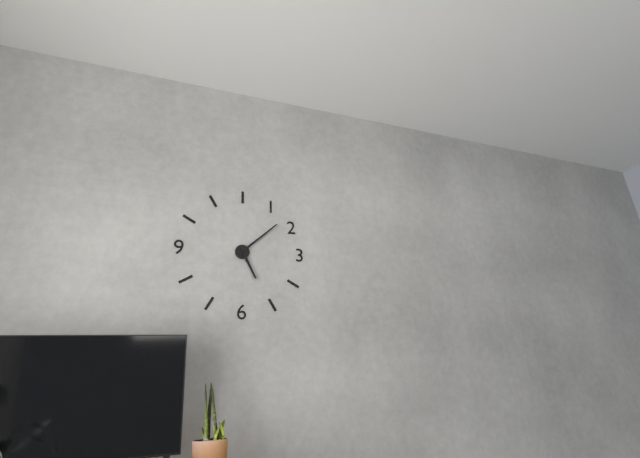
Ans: 5:08
